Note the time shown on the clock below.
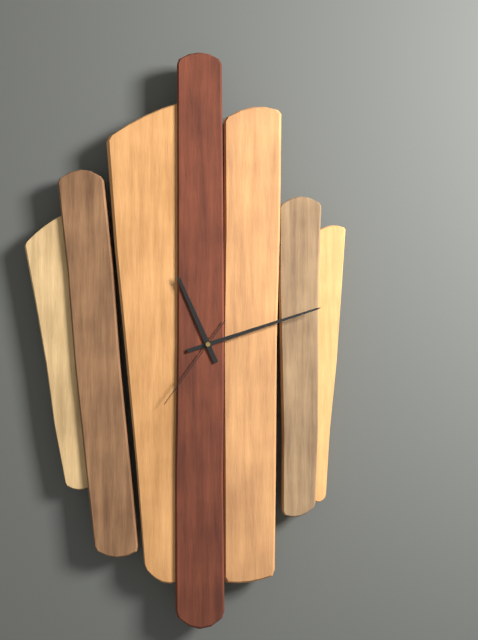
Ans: 11:12:36
